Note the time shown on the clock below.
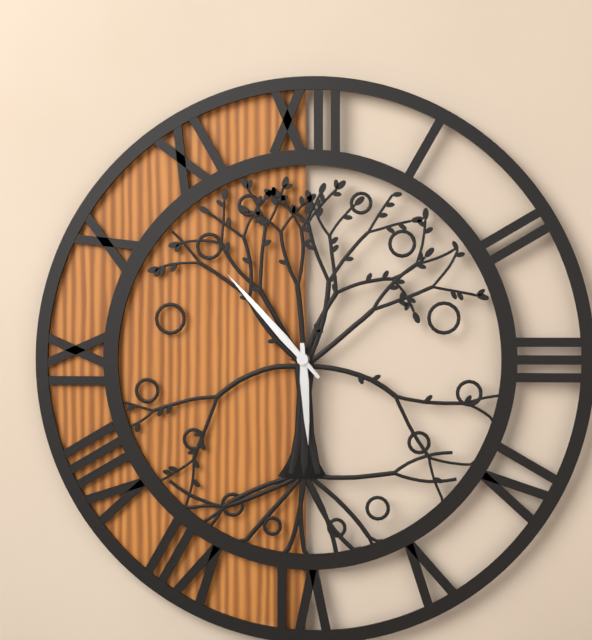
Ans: 5:53
